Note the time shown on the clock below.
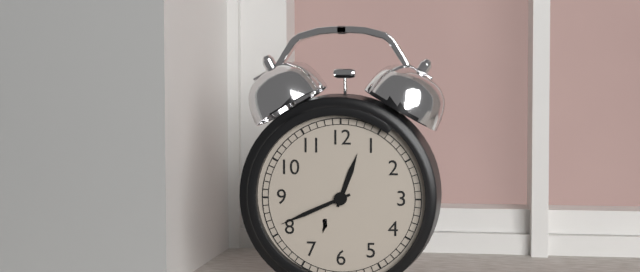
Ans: 12:41
